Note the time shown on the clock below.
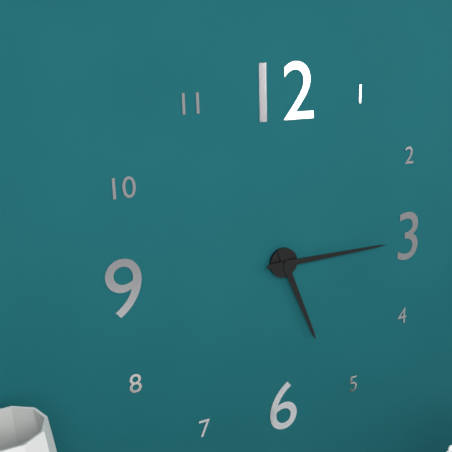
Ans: 5:15
